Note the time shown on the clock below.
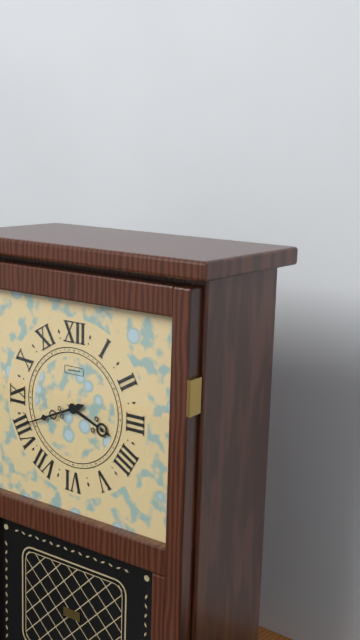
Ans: 3:41
